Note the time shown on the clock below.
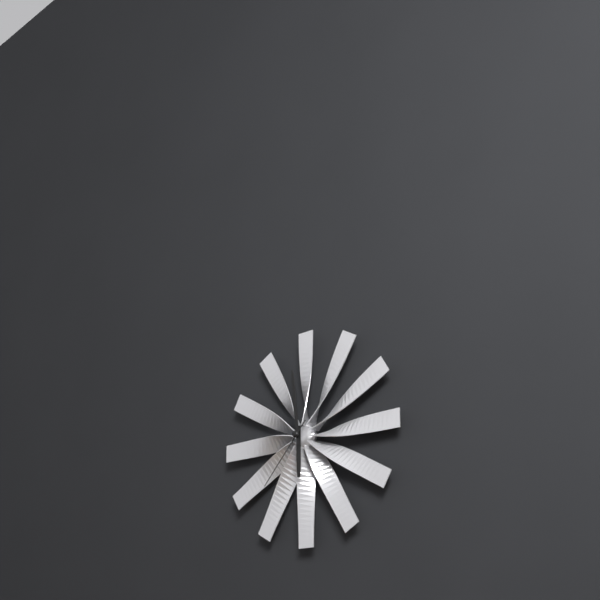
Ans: 5:59:37
